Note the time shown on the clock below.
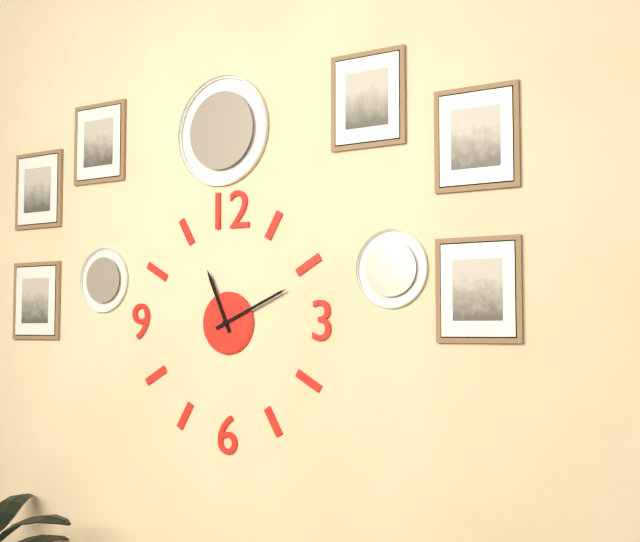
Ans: 11:11
